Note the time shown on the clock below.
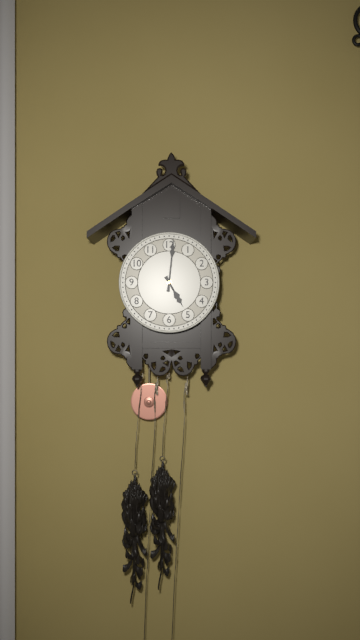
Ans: 5:01
